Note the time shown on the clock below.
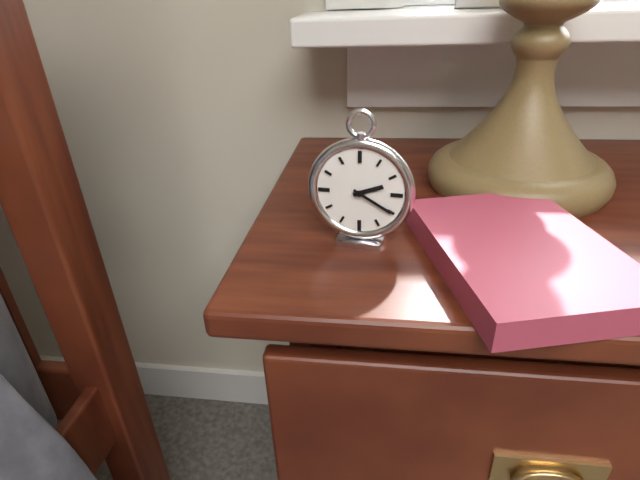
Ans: 2:20
